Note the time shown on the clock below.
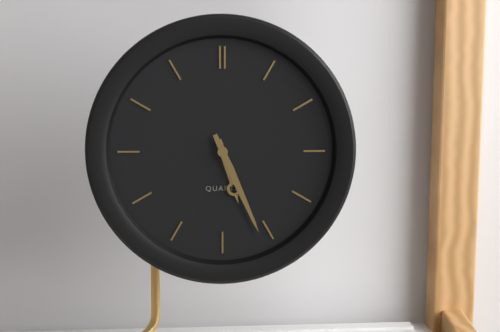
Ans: 5:26
